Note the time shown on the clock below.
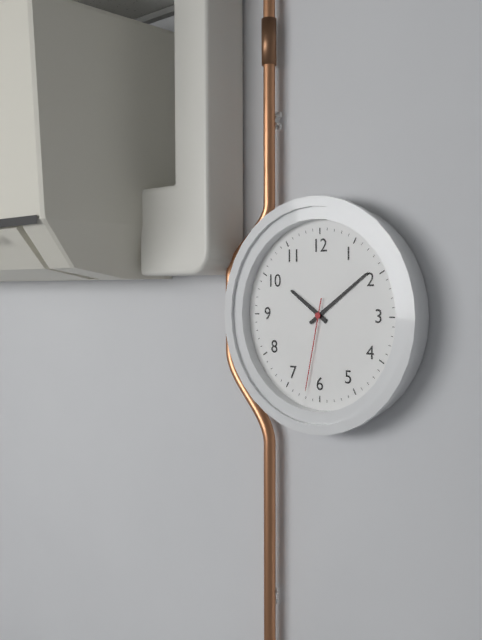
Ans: 10:09:32
